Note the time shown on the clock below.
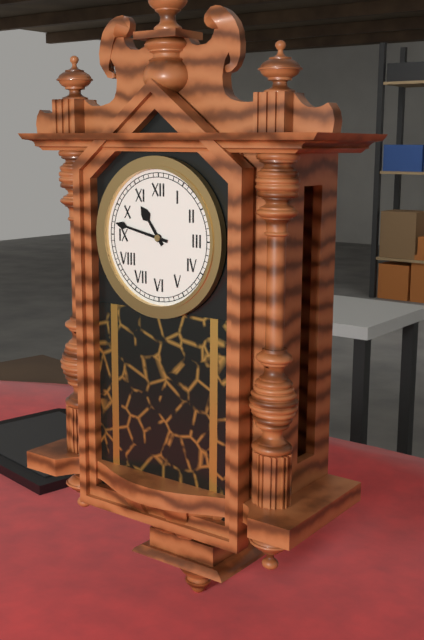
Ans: 10:47
